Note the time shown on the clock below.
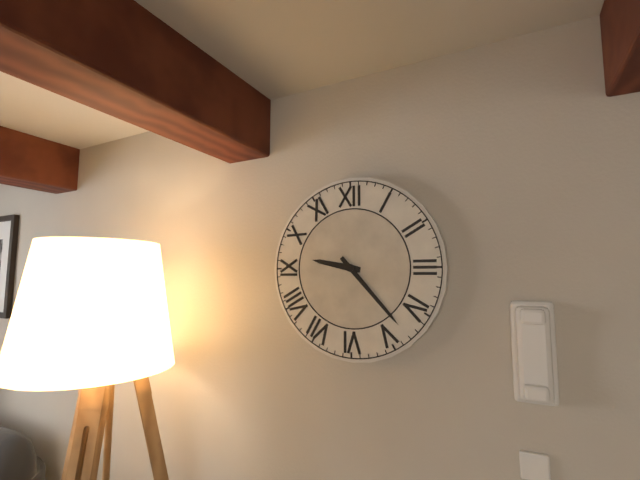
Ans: 9:23
